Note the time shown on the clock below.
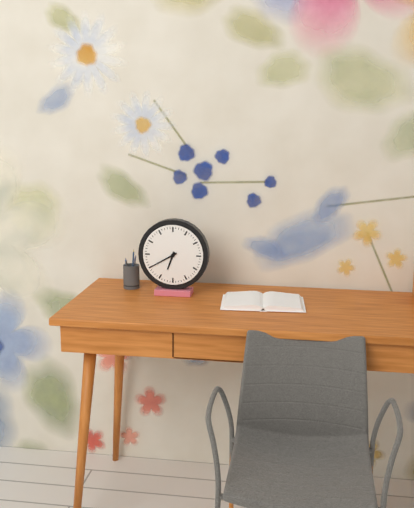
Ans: 6:40
